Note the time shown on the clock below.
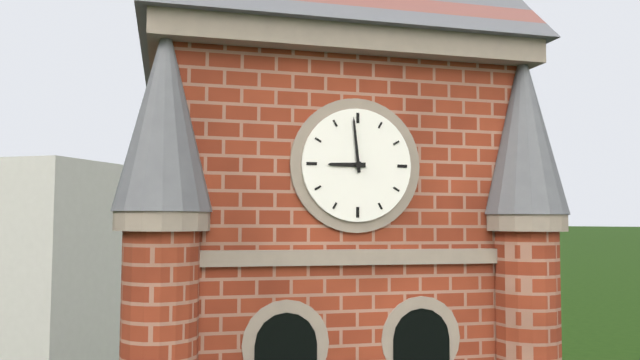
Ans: 8:59
